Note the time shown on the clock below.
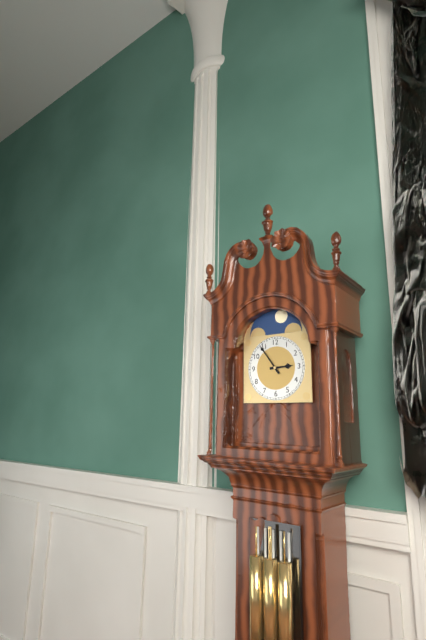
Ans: 2:54
